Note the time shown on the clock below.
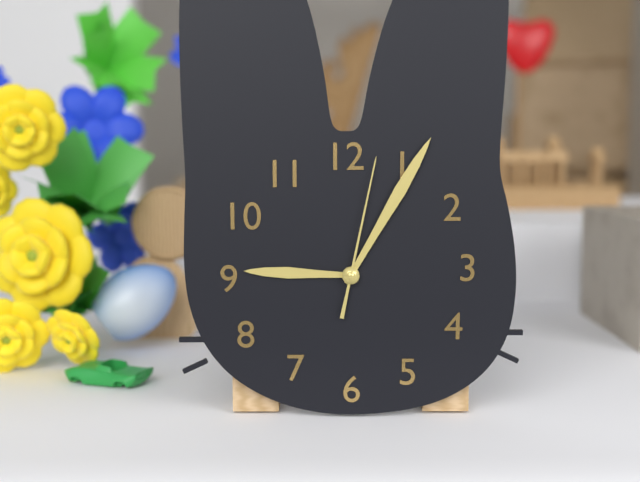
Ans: 9:05:02
